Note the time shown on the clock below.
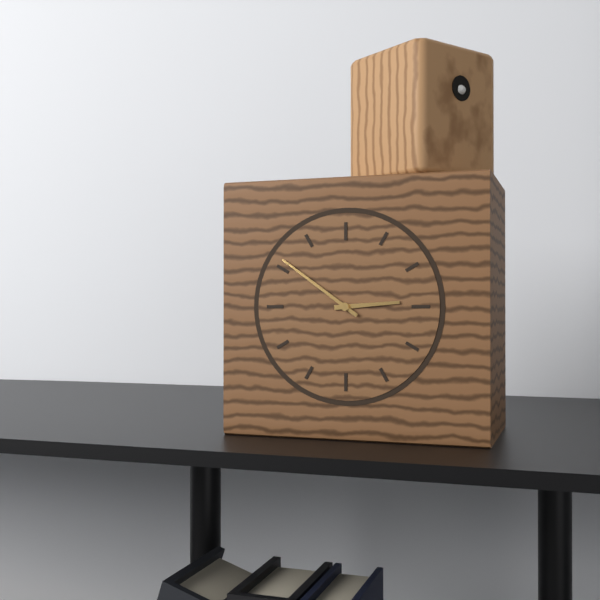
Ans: 2:51
